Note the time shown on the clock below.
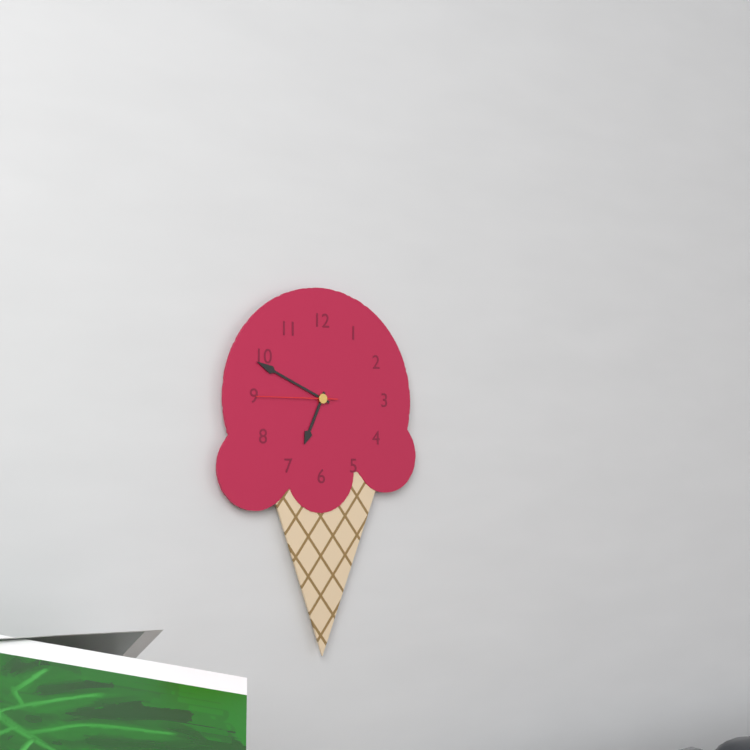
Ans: 6:49:45
